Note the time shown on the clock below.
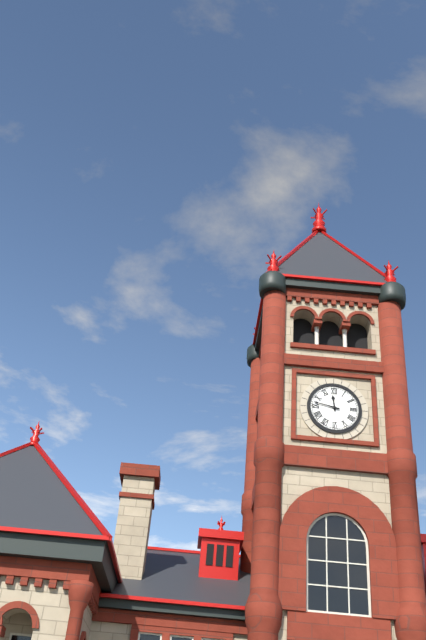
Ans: 11:47
